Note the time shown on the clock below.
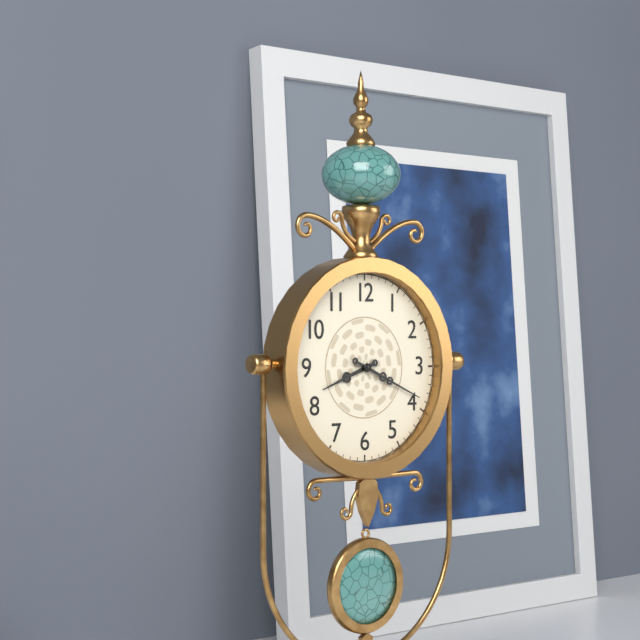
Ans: 8:19
